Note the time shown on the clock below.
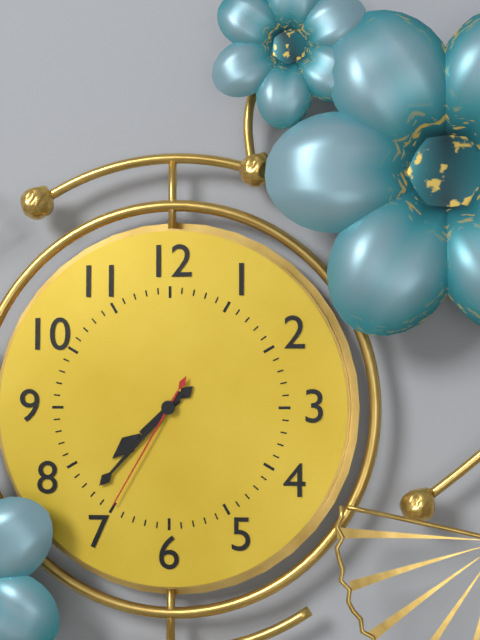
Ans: 7:37:35
